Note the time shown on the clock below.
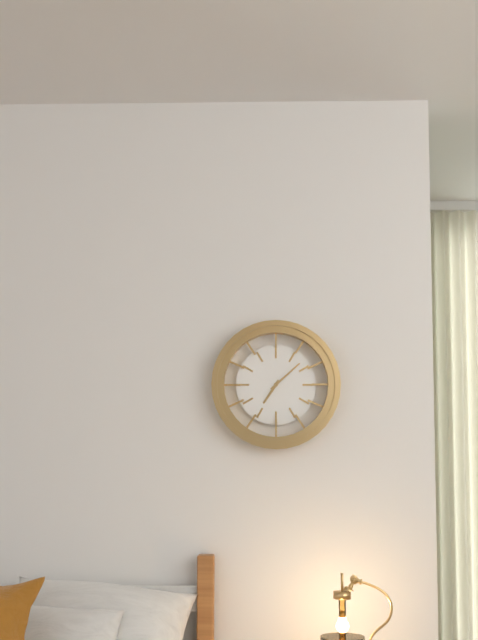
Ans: 7:08
